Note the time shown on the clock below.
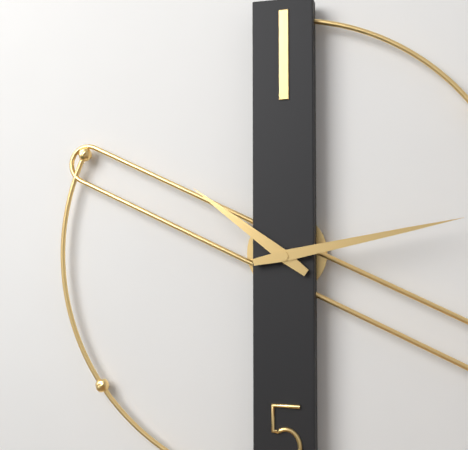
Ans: 10:13
